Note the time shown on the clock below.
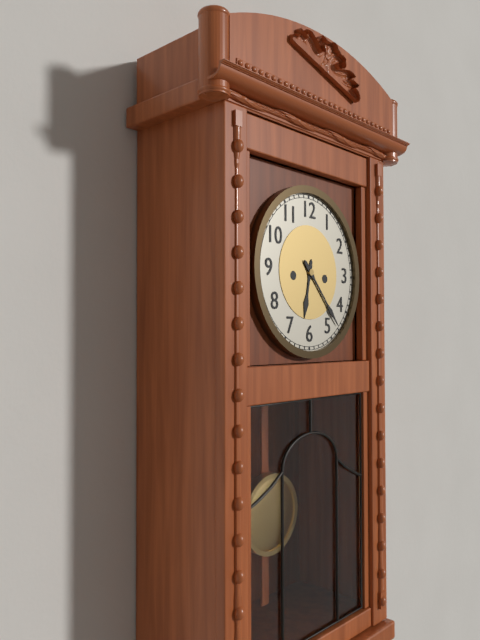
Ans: 6:23
